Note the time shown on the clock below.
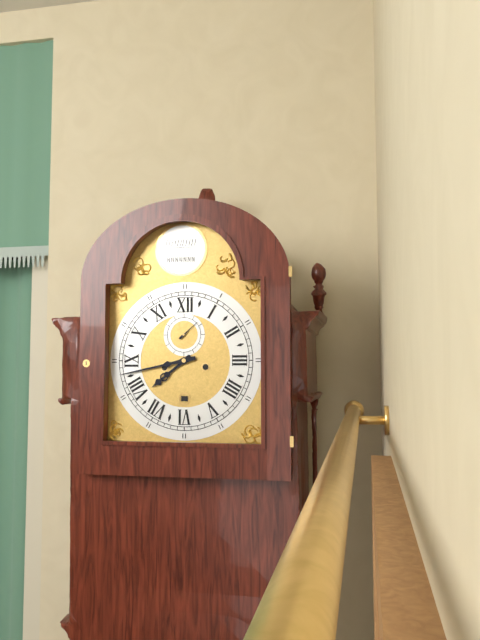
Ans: 7:43
